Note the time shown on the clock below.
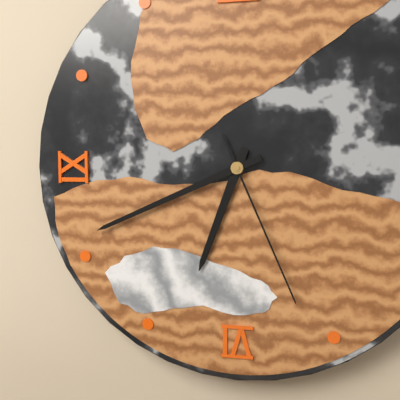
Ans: 6:41:26
